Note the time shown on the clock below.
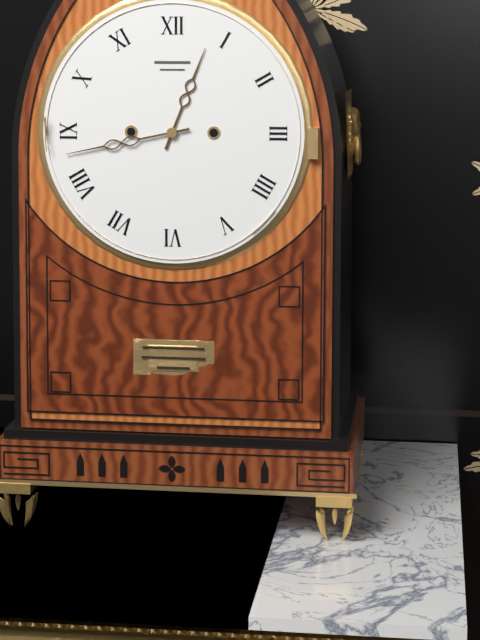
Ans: 12:43
